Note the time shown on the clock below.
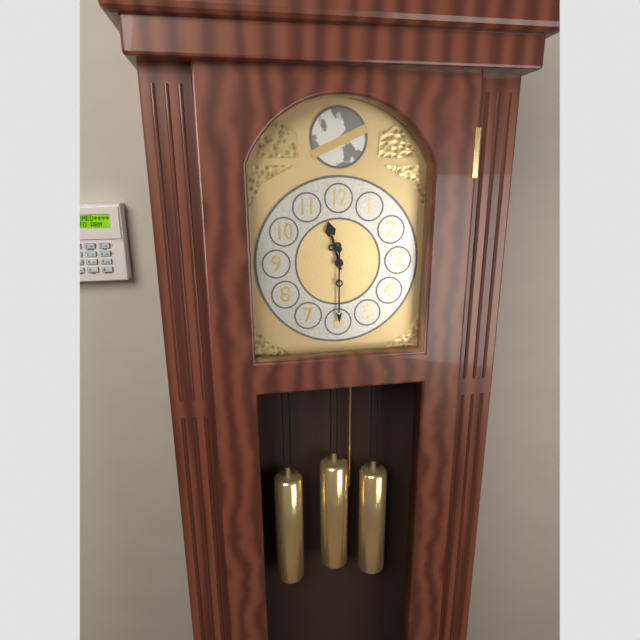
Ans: 11:30
